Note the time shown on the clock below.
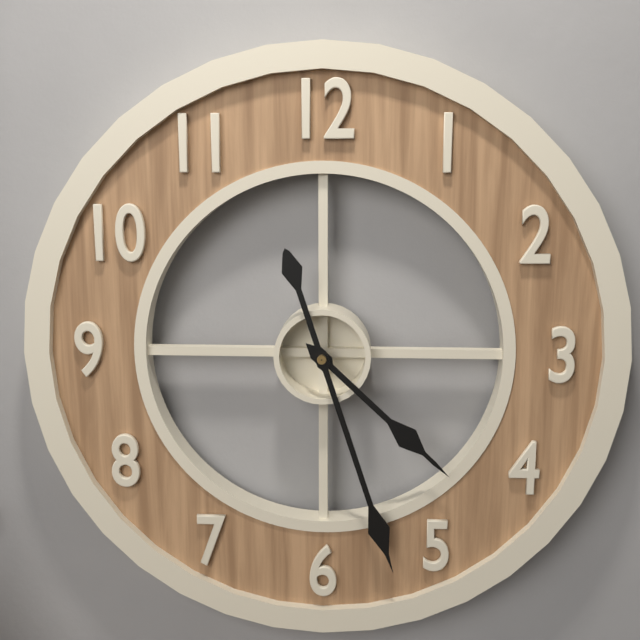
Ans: 4:27
